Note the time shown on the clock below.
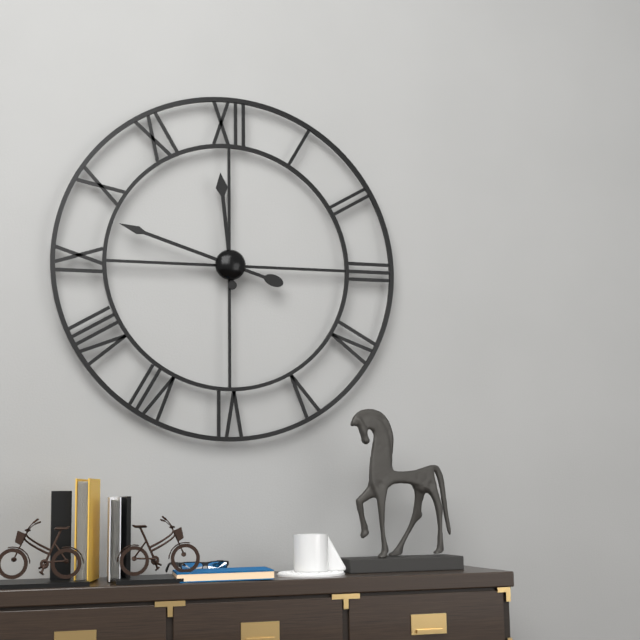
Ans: 11:48
